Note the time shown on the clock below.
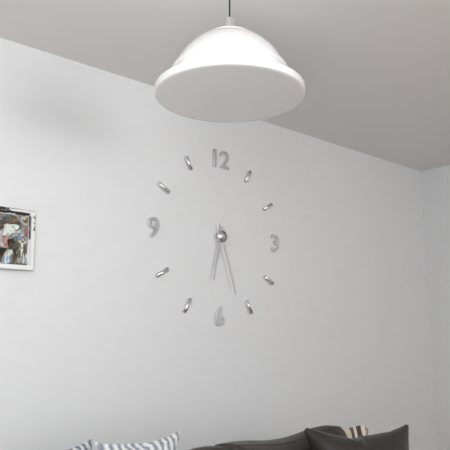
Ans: 6:27
